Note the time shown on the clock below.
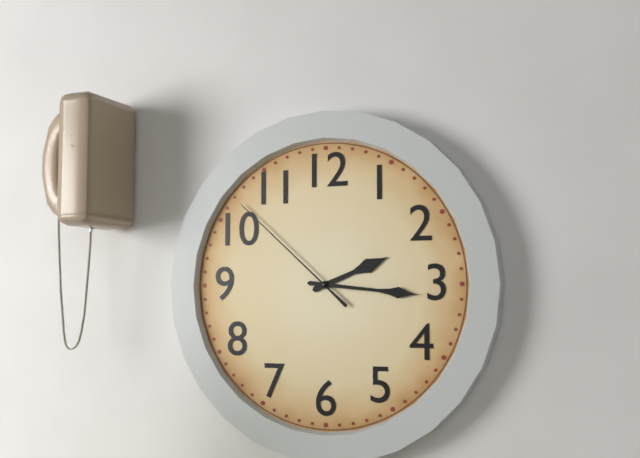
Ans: 2:16:52
